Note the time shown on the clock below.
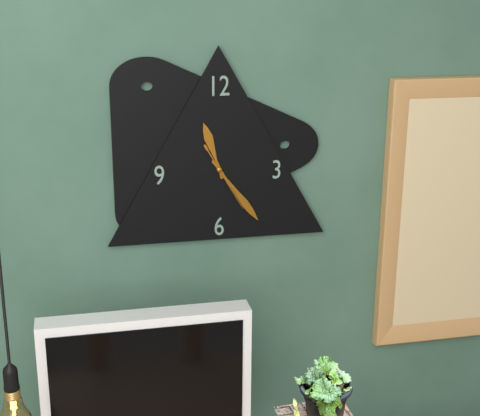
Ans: 11:24:25
